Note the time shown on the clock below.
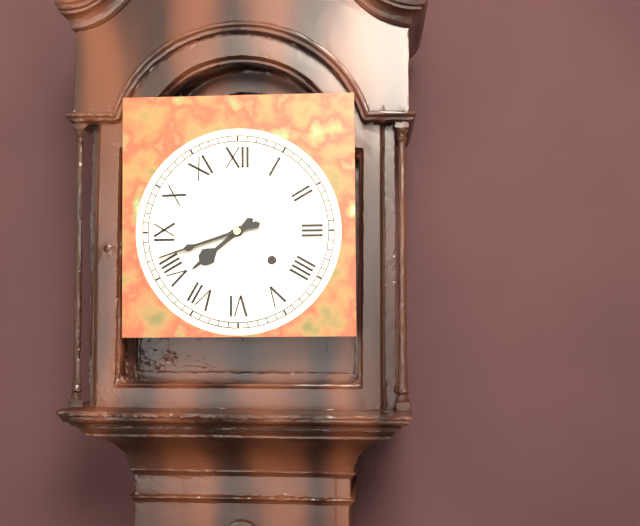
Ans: 7:42
